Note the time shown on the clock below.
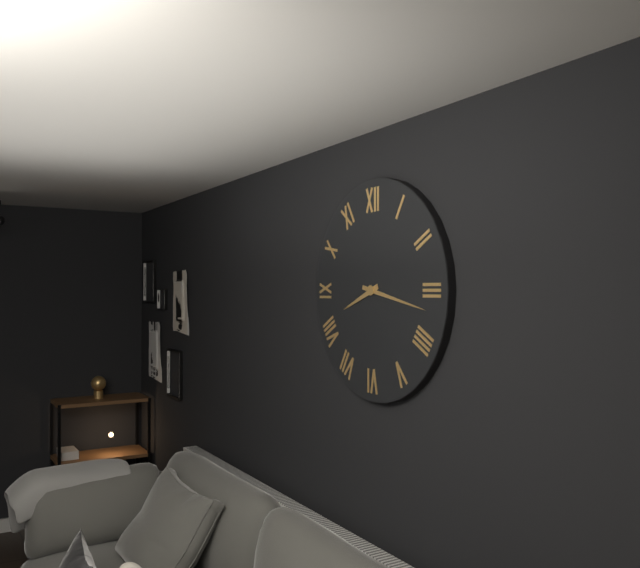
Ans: 8:17
